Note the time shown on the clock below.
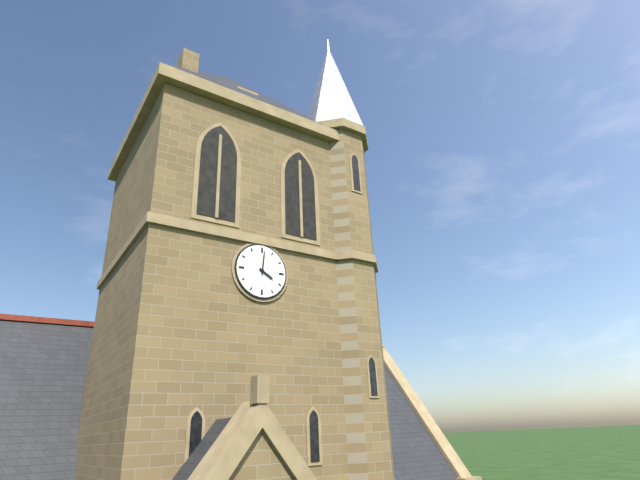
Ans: 4:01
